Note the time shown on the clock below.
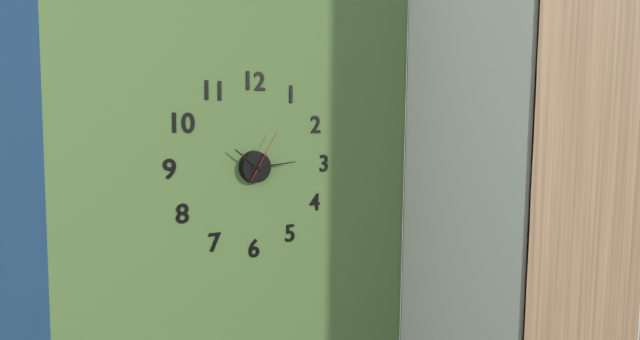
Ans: 10:14:05
